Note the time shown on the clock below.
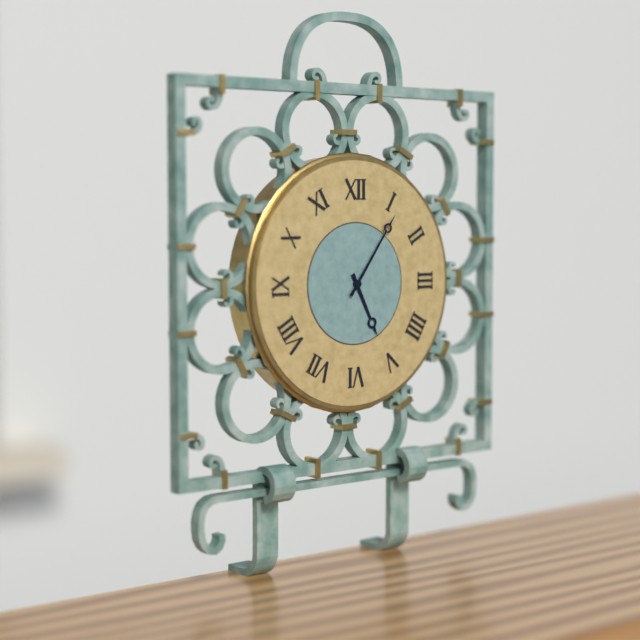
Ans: 5:06
